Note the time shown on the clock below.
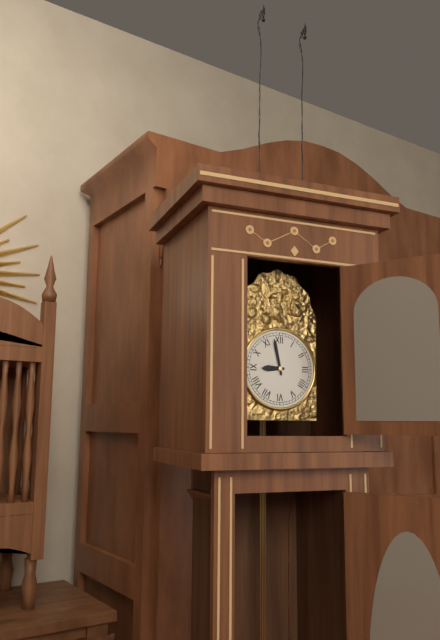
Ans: 8:58
